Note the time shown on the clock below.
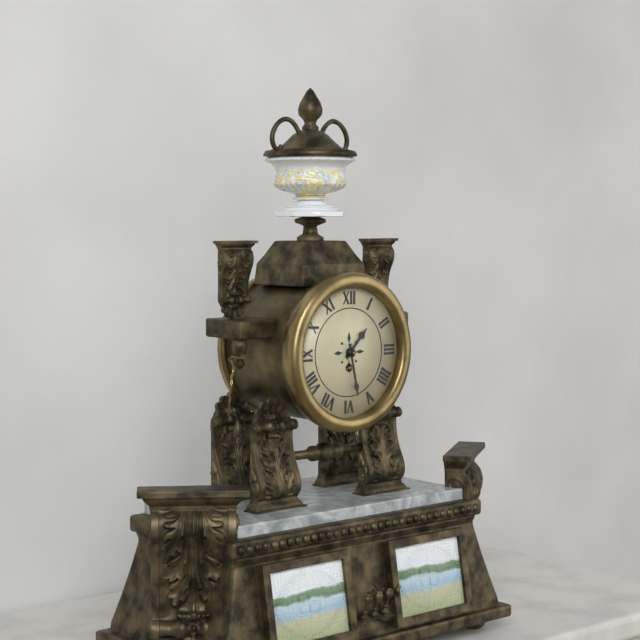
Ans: 1:28
